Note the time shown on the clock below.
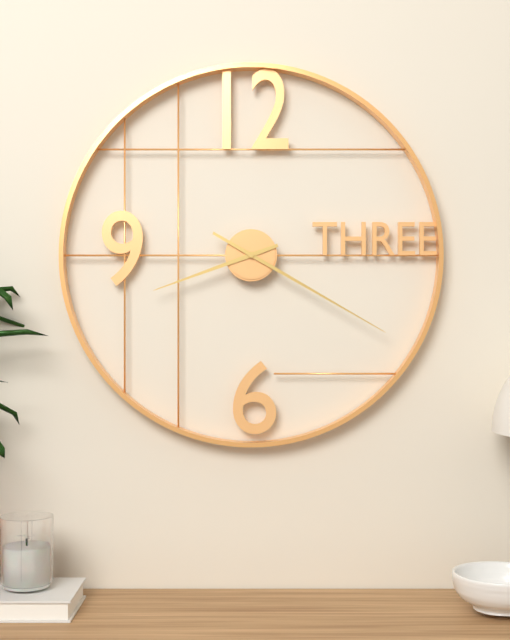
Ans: 8:20
